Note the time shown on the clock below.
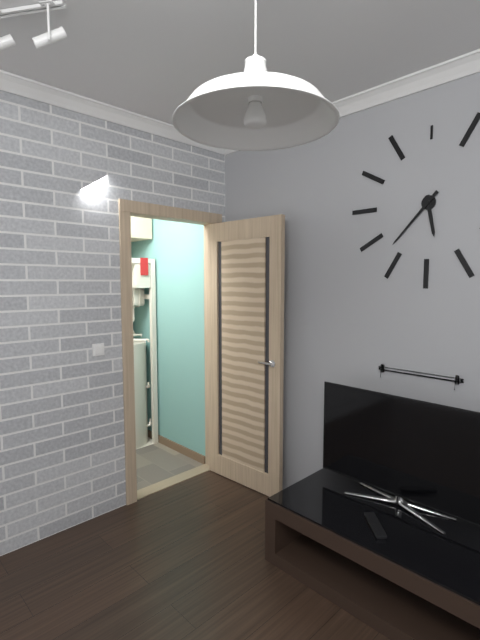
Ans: 5:37
